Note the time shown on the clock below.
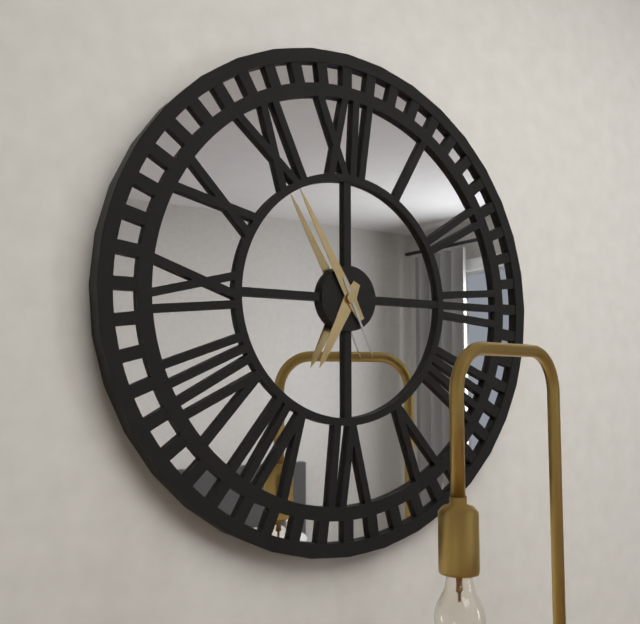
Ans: 6:55:26
